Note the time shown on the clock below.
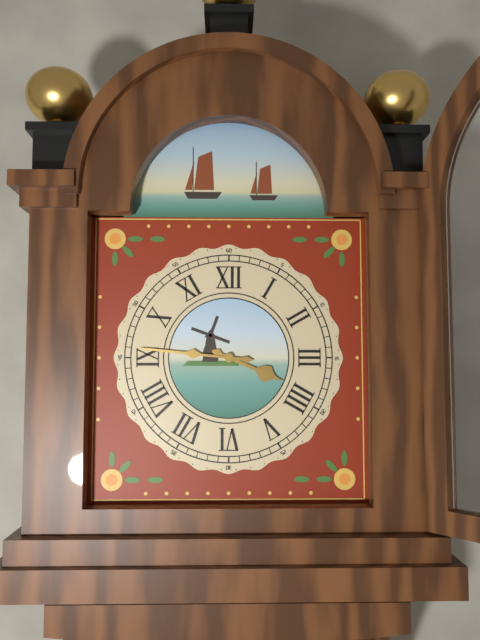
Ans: 3:46
